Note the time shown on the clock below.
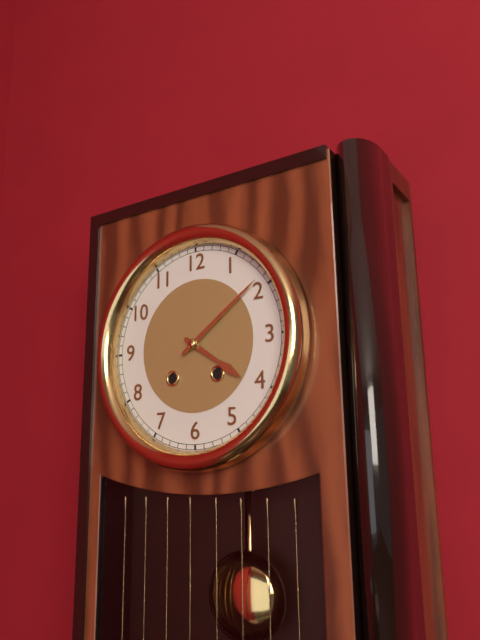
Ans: 4:09
